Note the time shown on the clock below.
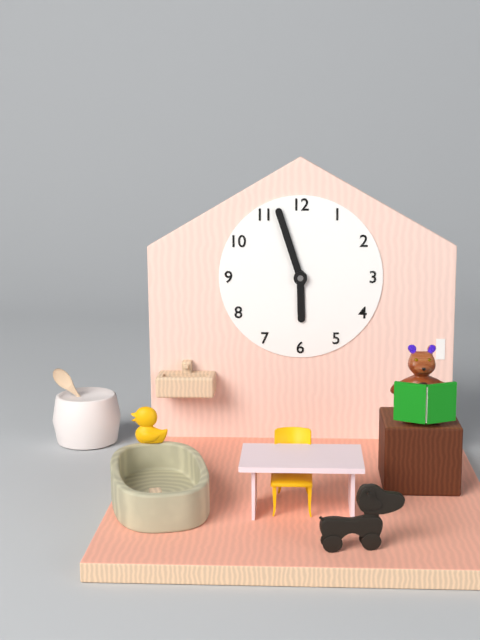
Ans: 5:57
